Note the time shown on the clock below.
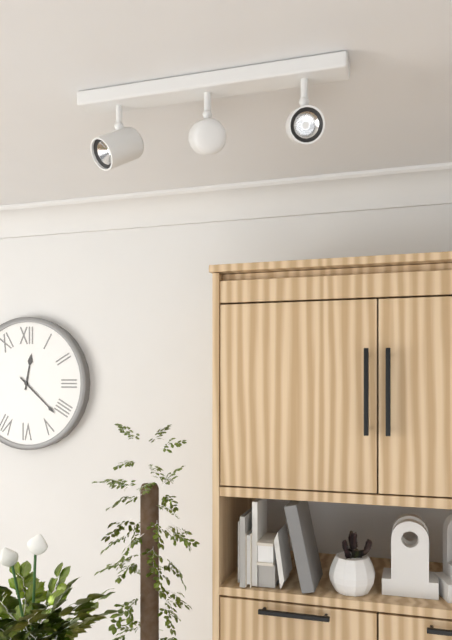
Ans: 12:22
